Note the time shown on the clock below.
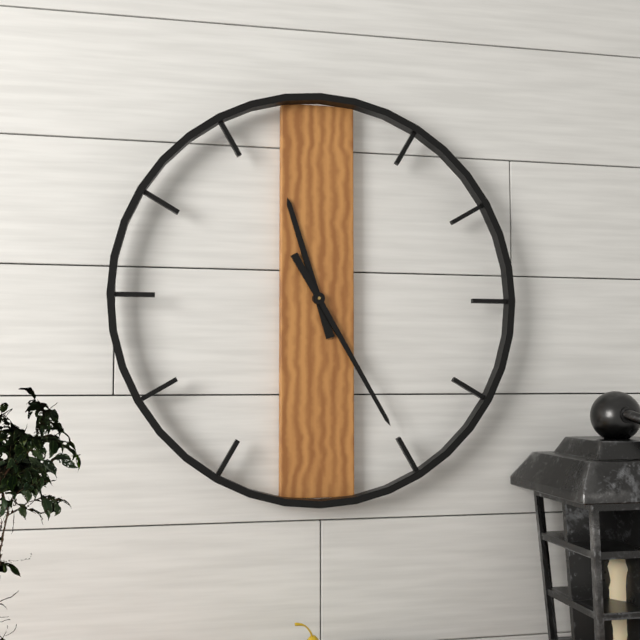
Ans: 11:25
